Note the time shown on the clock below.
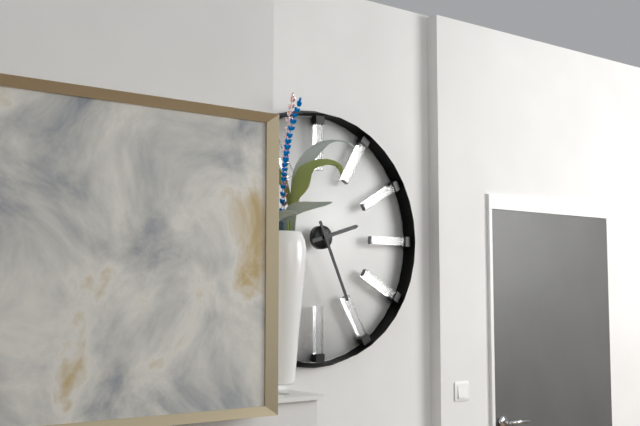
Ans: 2:26
